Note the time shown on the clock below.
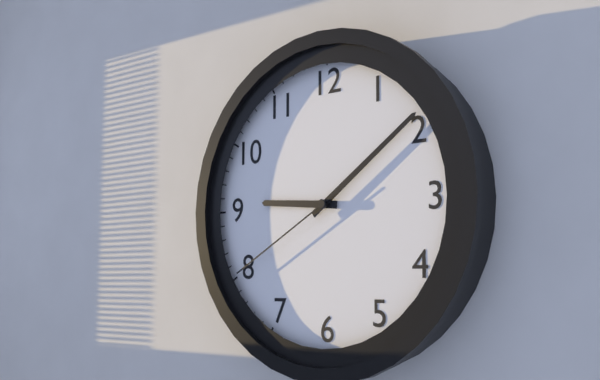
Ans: 9:09:40
